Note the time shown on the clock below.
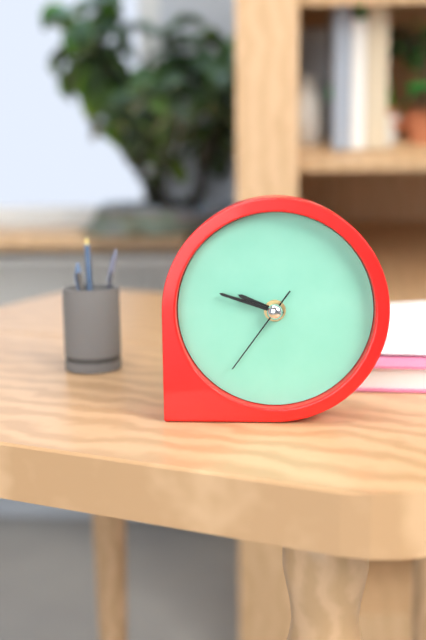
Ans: 9:48:36
